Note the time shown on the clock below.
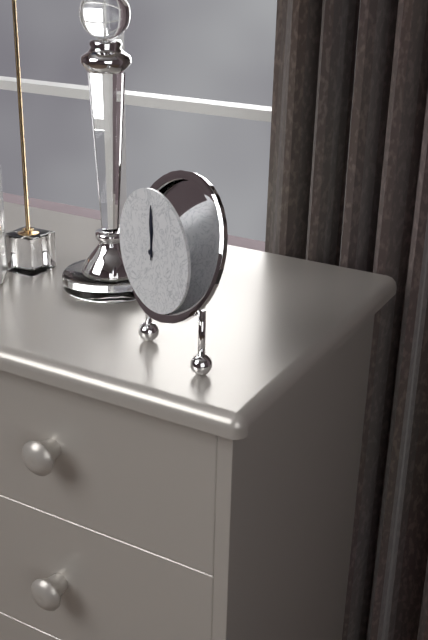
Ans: 12:00
